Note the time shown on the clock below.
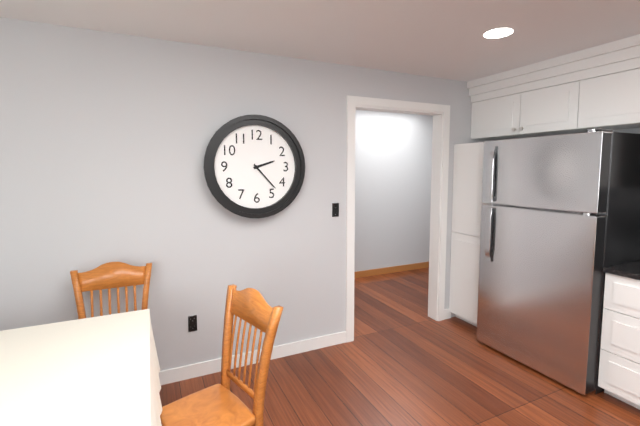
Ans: 2:23
